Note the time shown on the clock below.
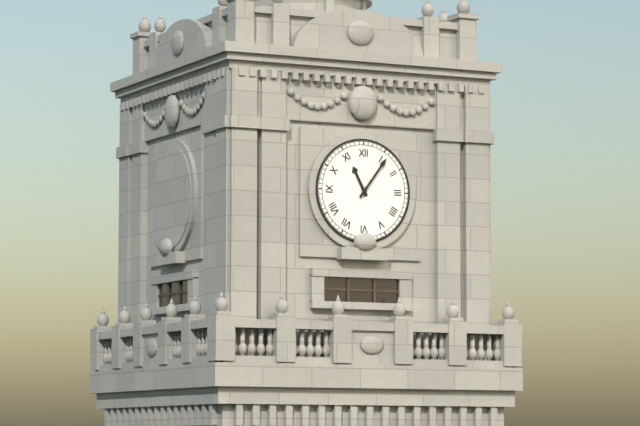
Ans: 11:06
